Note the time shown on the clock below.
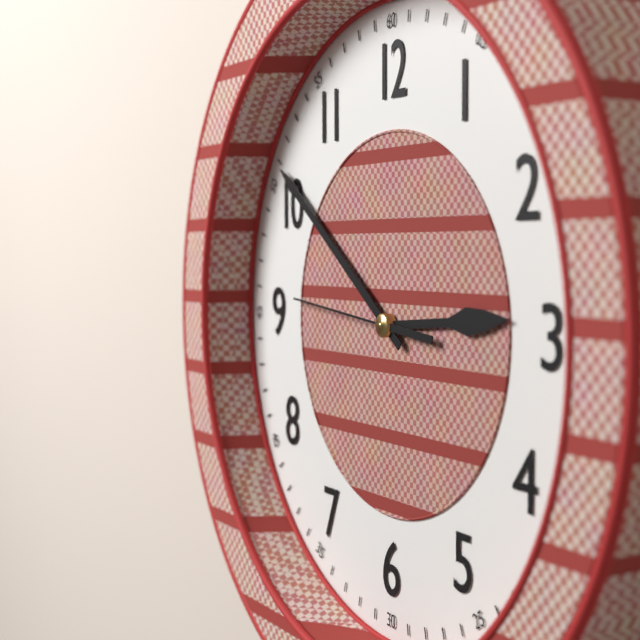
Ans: 2:51:46
